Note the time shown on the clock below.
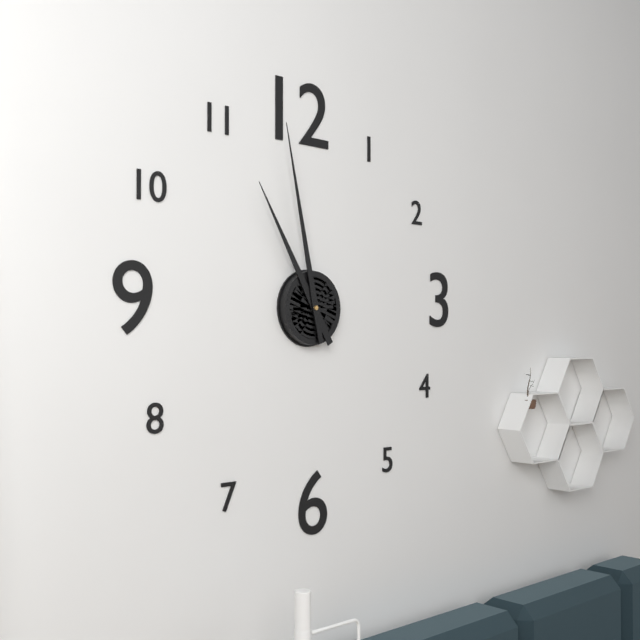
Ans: 10:58
